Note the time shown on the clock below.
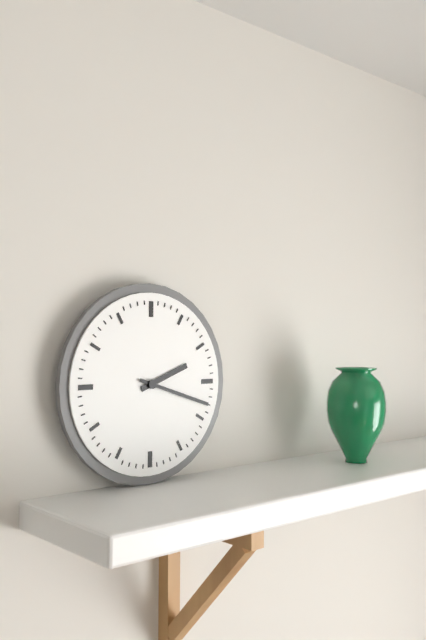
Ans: 2:18
